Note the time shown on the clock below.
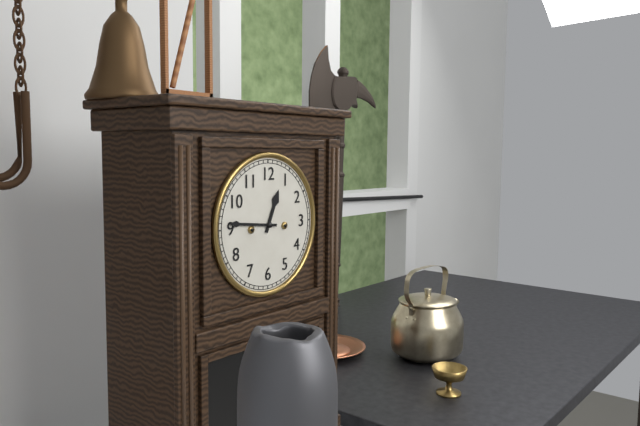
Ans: 12:46
